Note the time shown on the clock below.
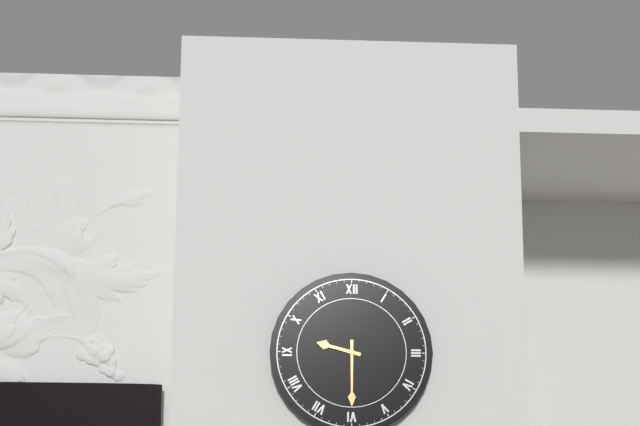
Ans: 9:30
